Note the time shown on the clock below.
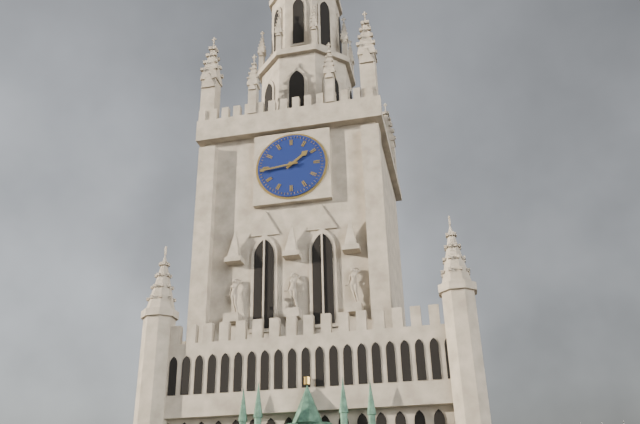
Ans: 1:44
